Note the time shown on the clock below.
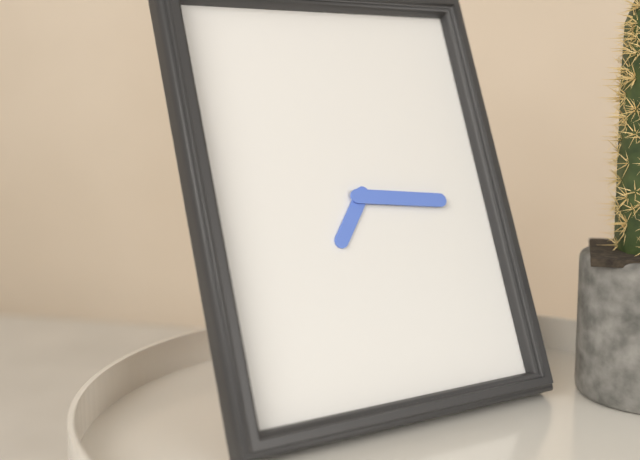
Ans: 7:16
